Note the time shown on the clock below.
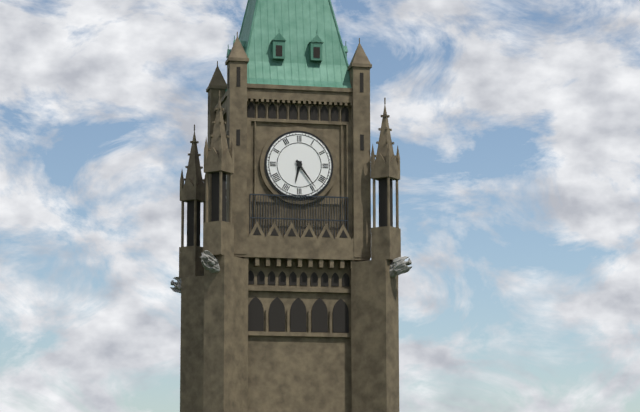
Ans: 6:24
